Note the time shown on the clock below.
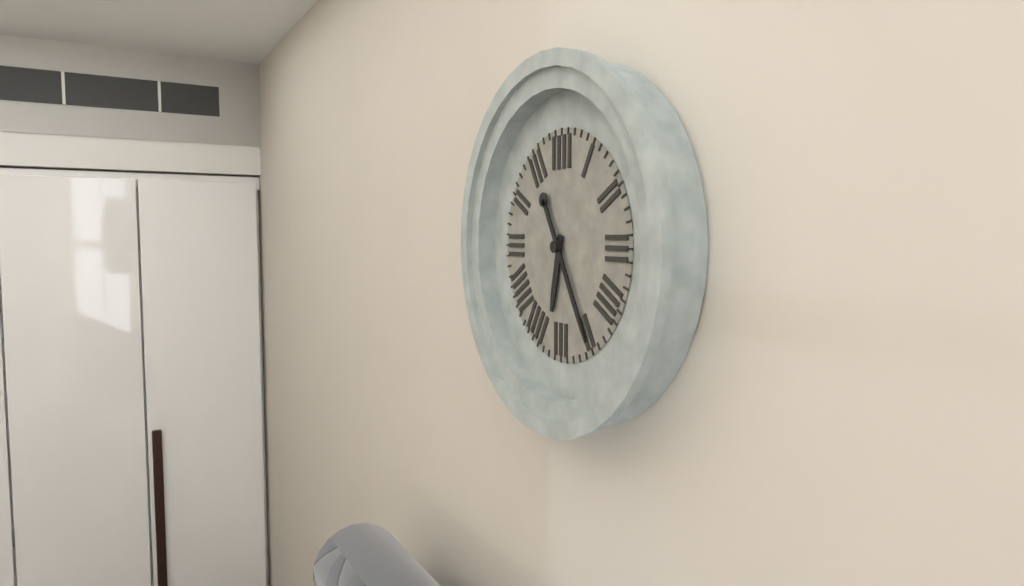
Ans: 6:25
